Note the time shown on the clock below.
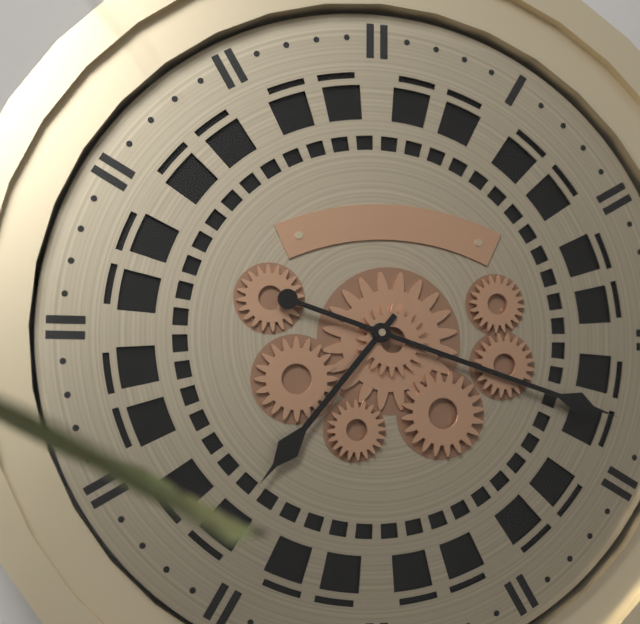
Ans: 7:18
